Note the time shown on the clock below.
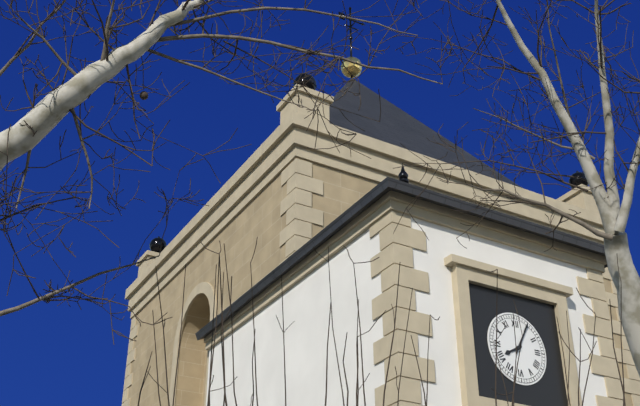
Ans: 8:05
